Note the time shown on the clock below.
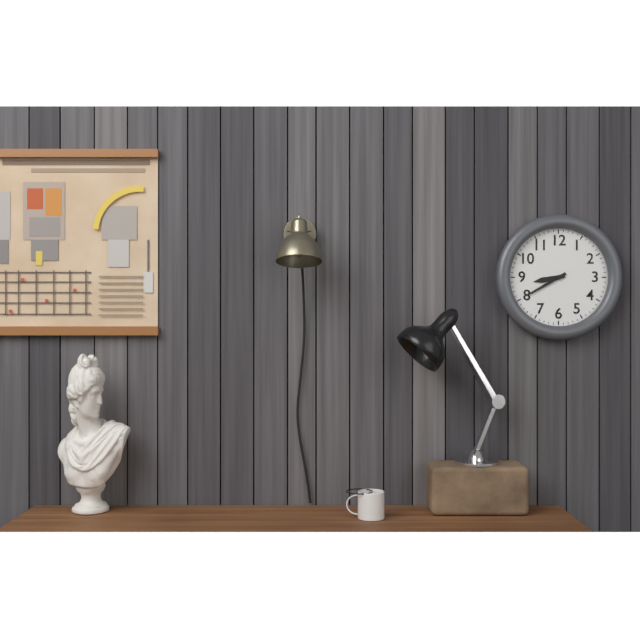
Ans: 8:40
